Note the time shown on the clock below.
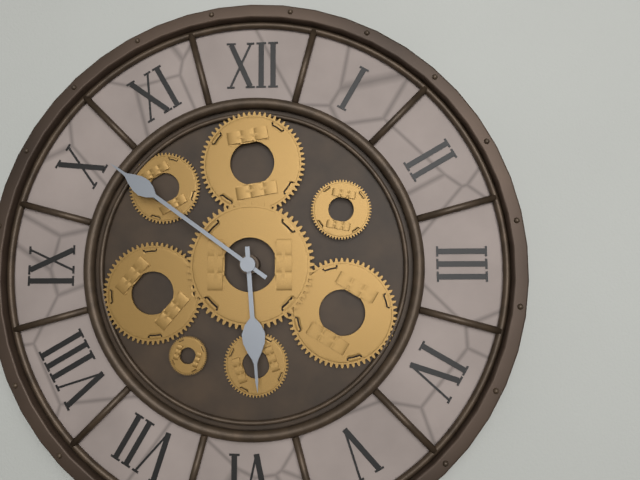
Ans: 5:51
